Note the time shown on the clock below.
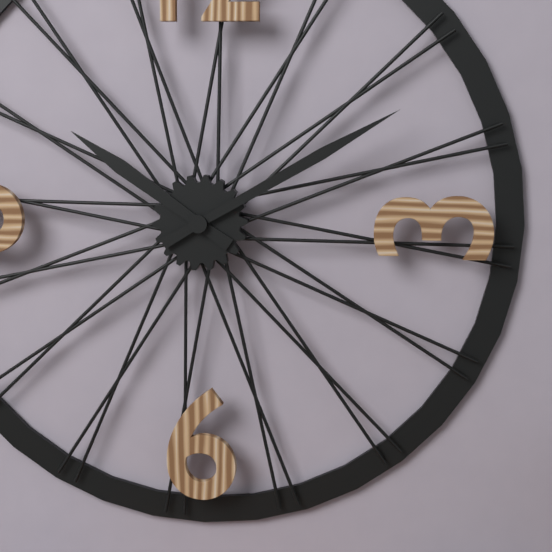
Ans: 10:10
